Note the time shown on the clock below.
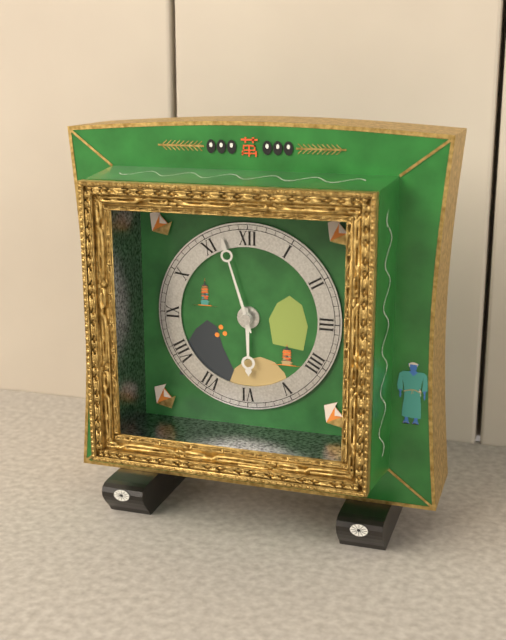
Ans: 5:57
